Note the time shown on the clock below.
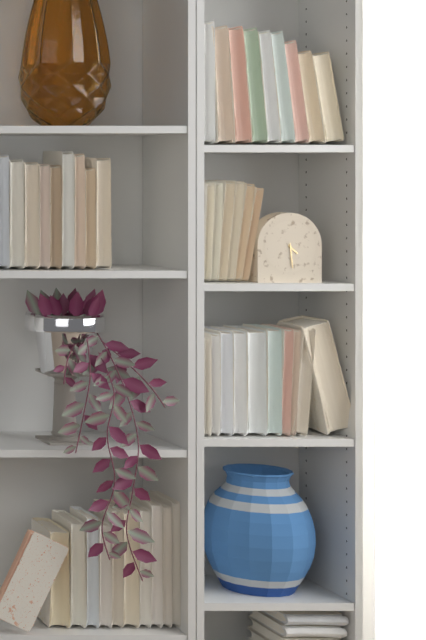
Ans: 4:29
